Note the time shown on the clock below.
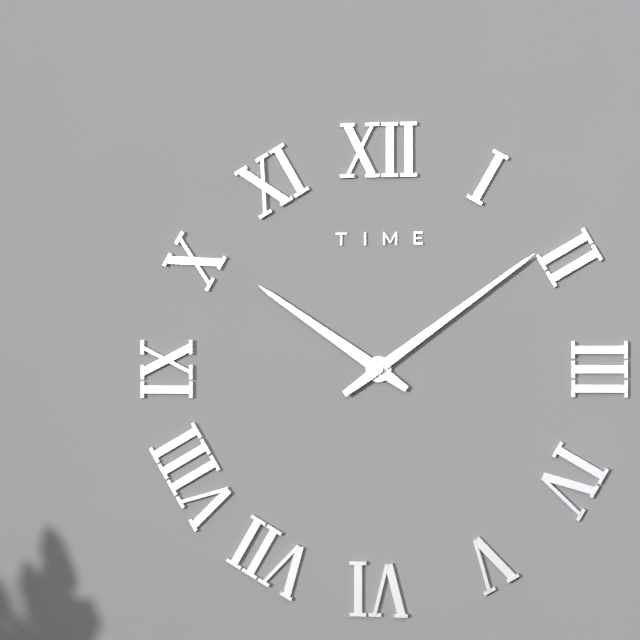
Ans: 10:09
